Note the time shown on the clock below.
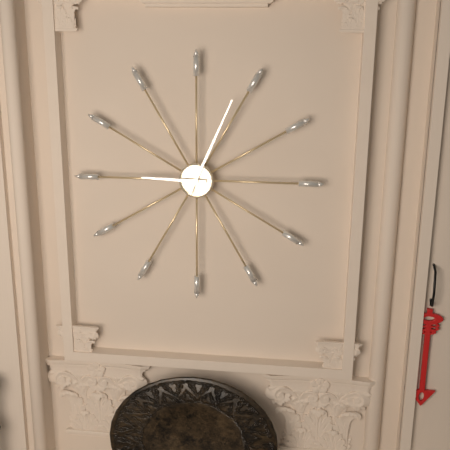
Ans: 9:04
